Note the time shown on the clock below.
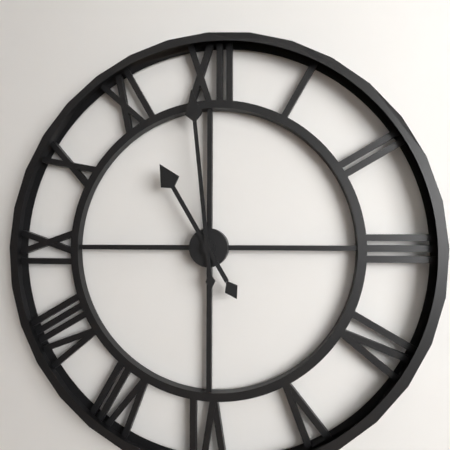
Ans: 10:59
